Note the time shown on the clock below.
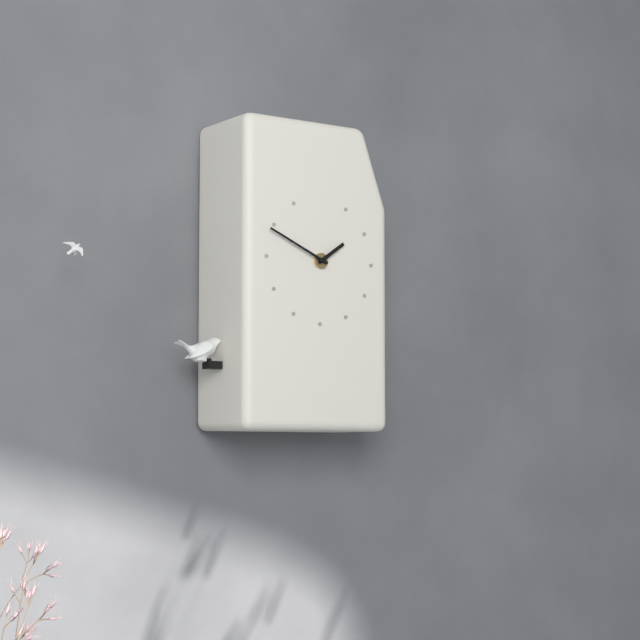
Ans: 1:49
